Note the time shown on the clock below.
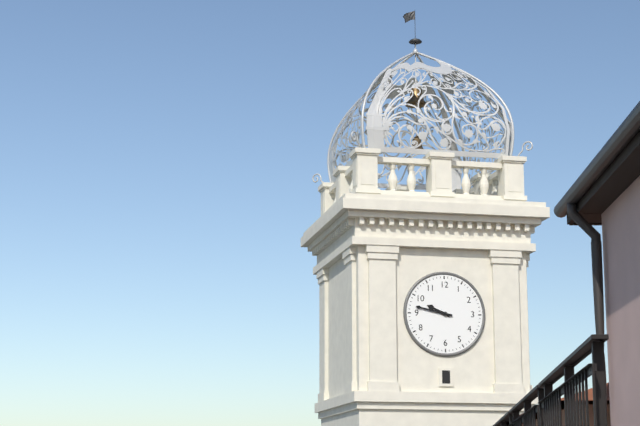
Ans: 9:47
